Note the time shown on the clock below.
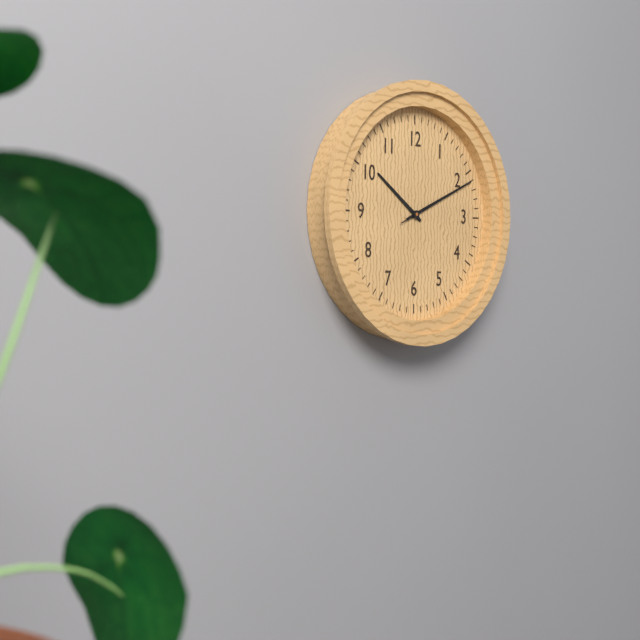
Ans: 10:11:11
